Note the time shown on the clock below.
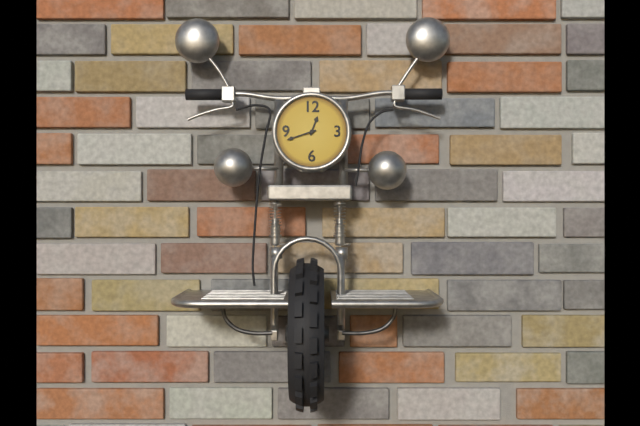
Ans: 12:42
